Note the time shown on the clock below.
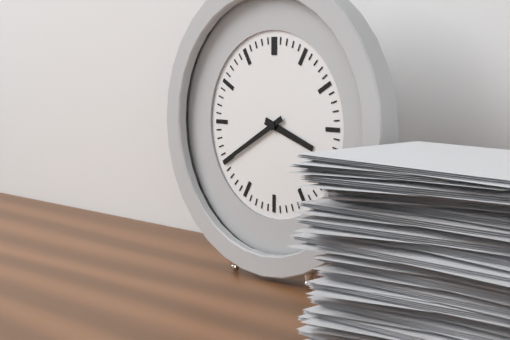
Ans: 3:40
